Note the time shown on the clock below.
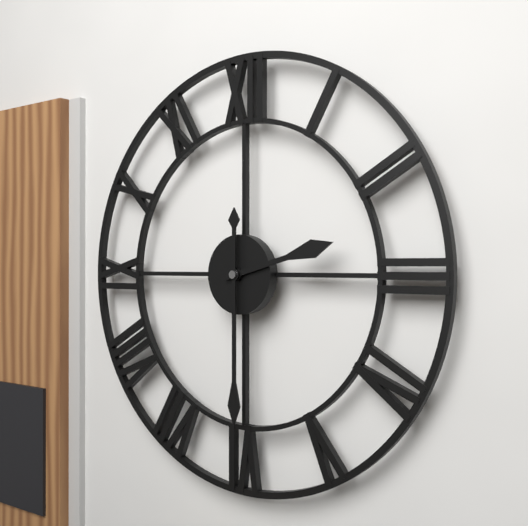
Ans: 2:30
